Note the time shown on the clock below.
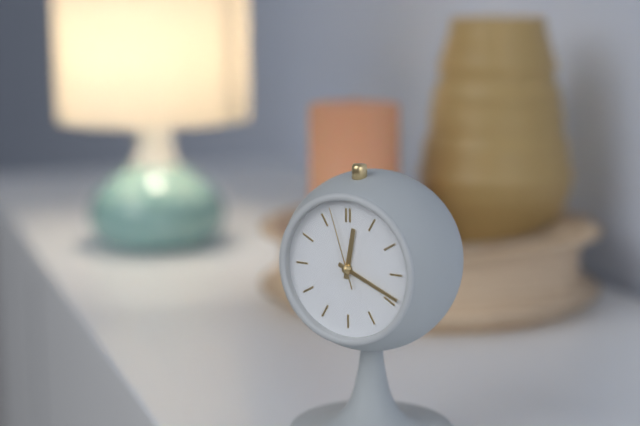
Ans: 12:19:57
